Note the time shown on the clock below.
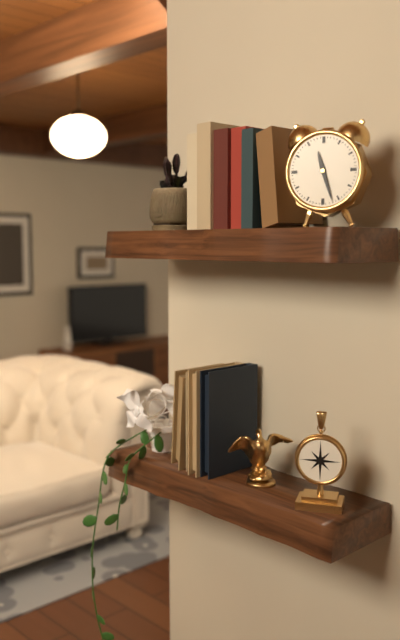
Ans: 11:27
